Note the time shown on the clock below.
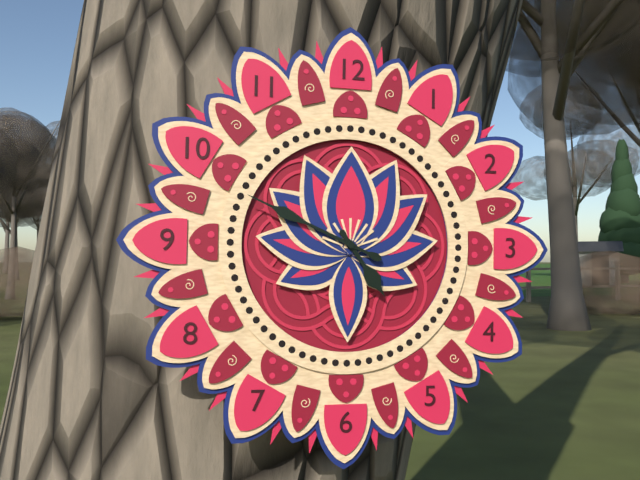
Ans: 4:49
